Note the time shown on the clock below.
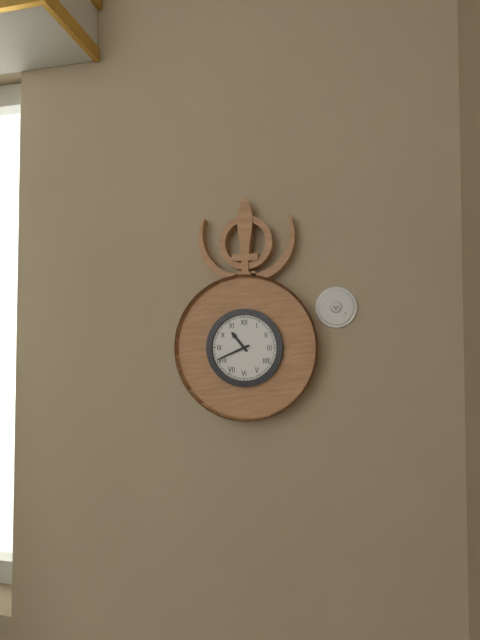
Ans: 10:41
